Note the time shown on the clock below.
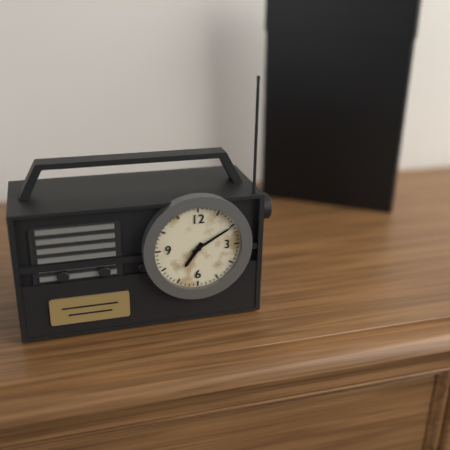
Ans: 7:10
